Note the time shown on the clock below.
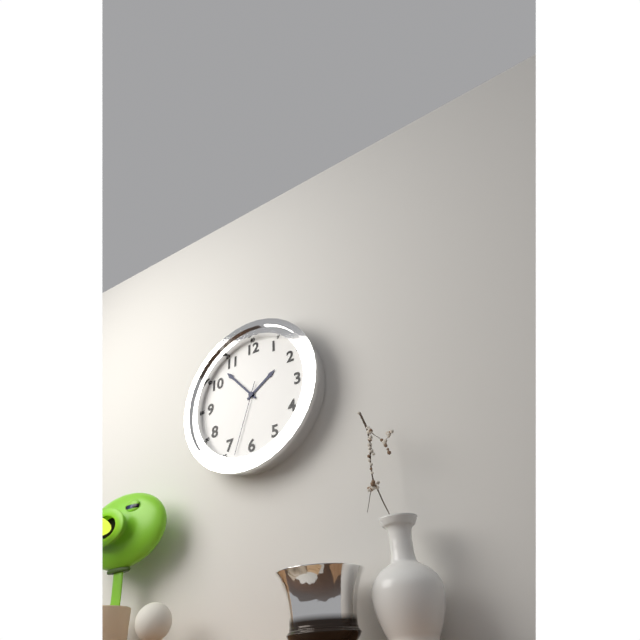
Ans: 1:53:33
